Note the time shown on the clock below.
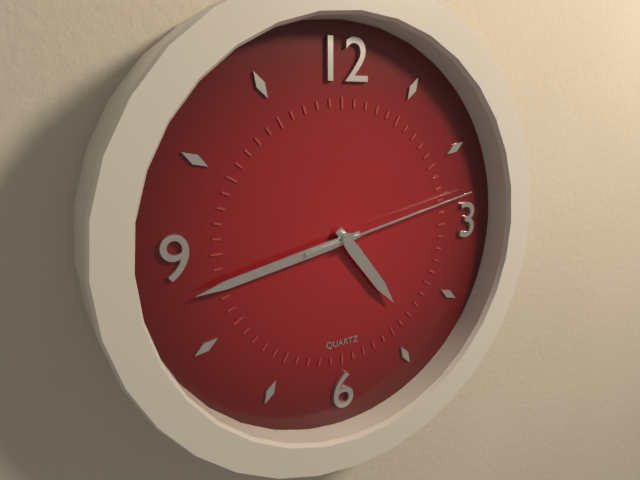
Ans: 4:43:13
